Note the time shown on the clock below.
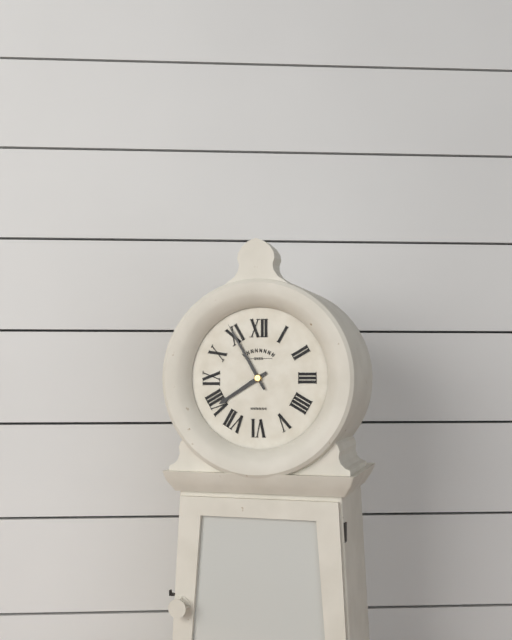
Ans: 7:55
